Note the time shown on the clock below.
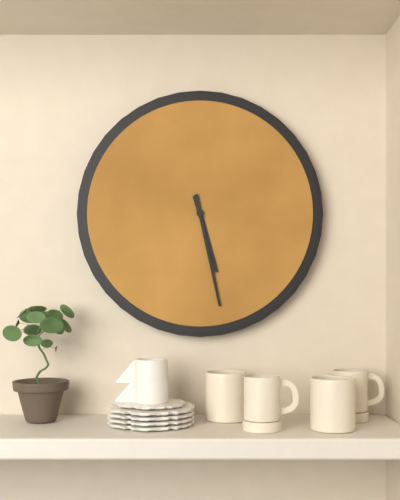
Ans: 5:28
